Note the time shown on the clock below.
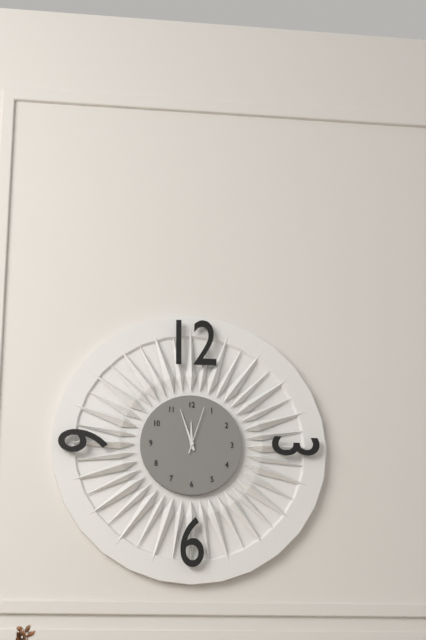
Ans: 11:57:03
